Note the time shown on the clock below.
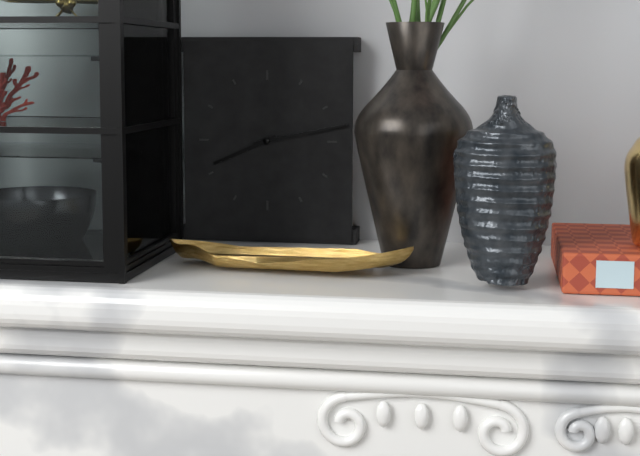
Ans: 8:13
